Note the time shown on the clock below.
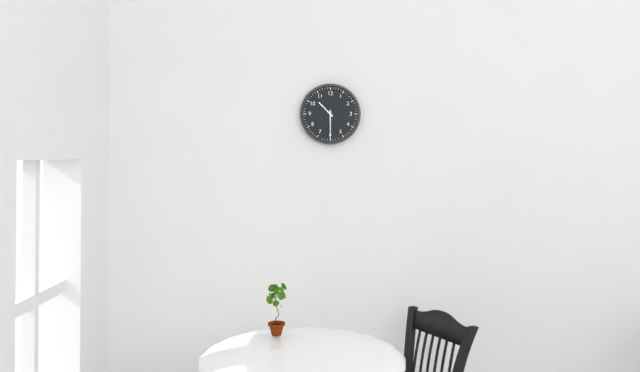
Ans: 10:30
